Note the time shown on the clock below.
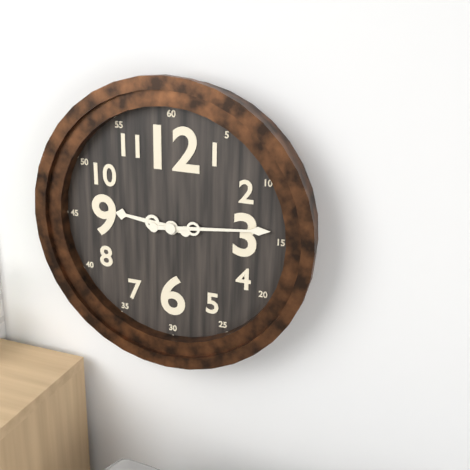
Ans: 9:14
